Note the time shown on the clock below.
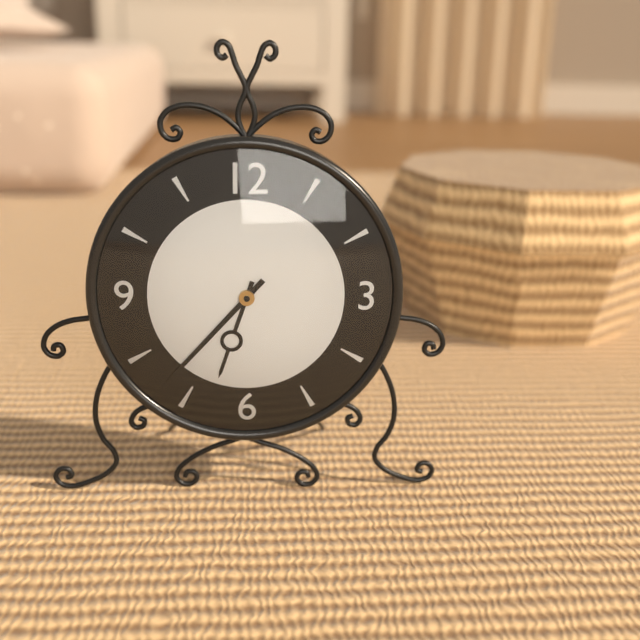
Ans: 6:37
